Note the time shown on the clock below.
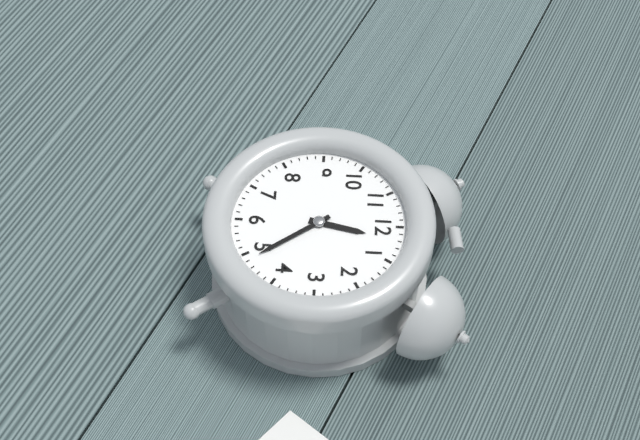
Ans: 12:24
